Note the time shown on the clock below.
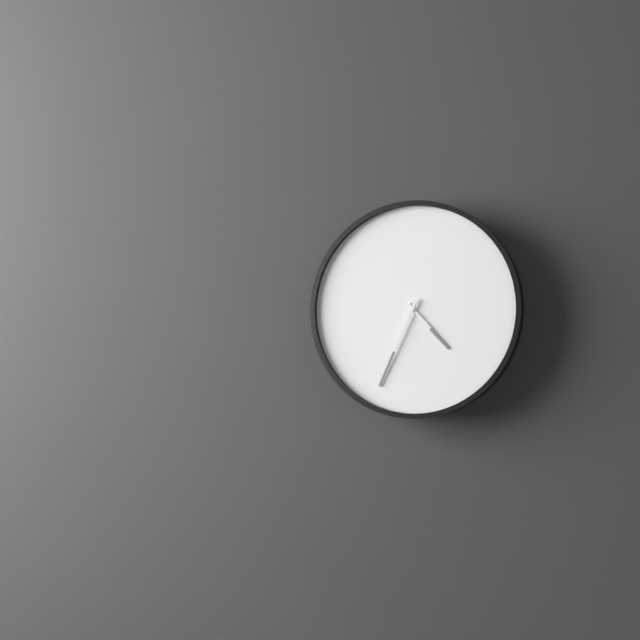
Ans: 4:34
